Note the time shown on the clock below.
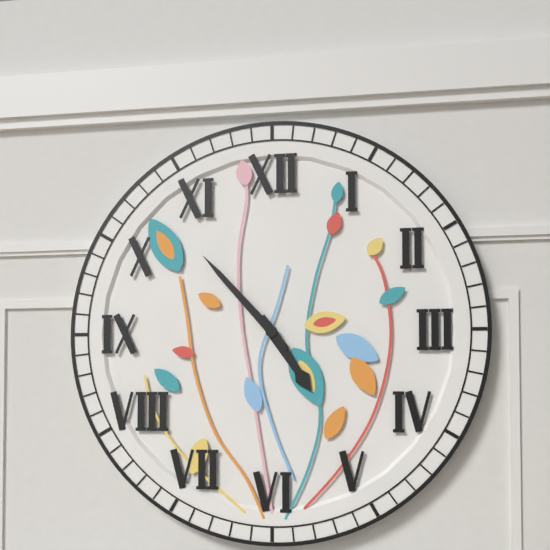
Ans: 4:53
